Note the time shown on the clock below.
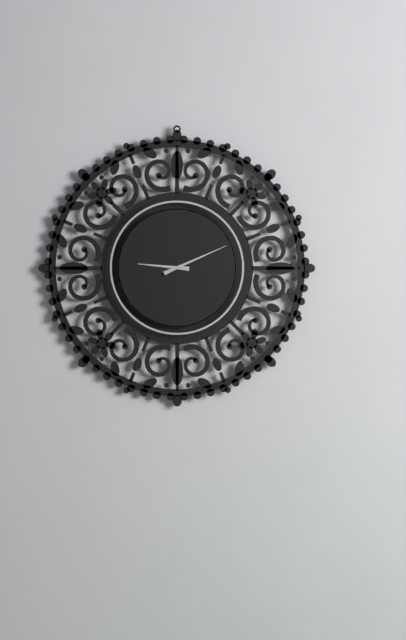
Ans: 9:11
